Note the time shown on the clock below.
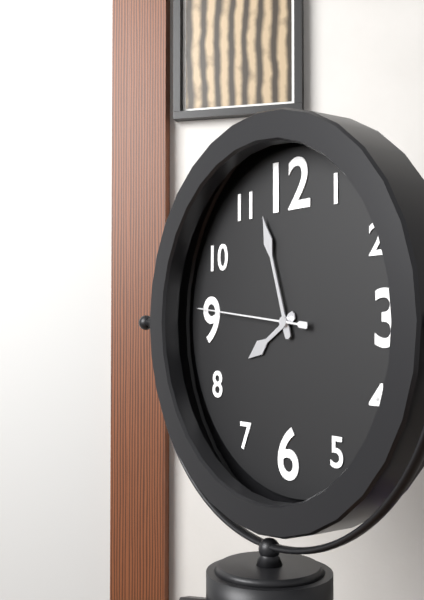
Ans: 7:57:46
